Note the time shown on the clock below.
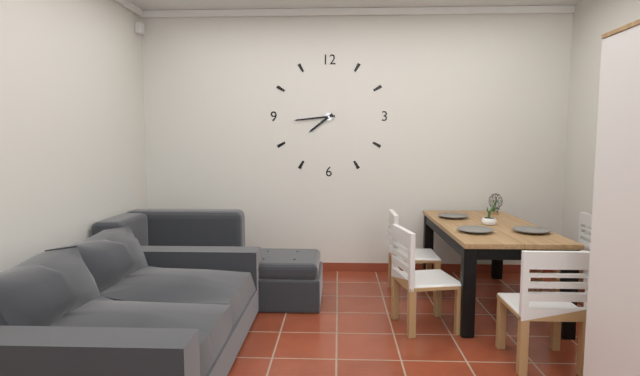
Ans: 7:44
